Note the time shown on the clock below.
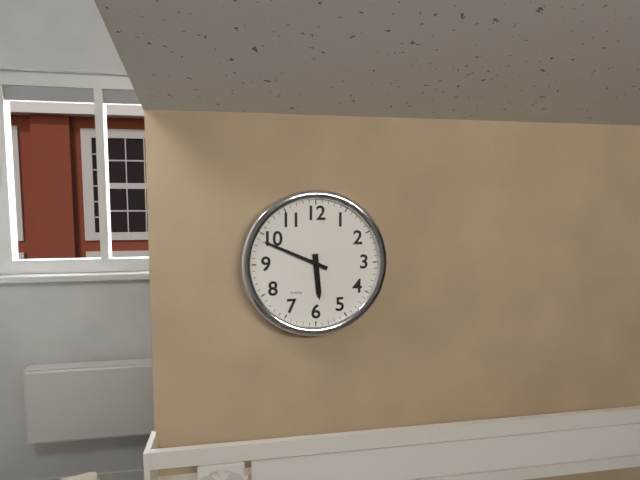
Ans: 5:49
